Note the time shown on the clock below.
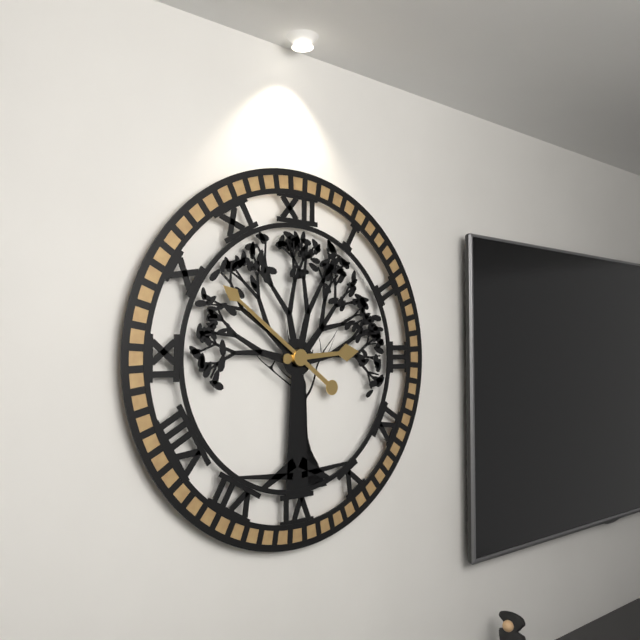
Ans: 2:51
